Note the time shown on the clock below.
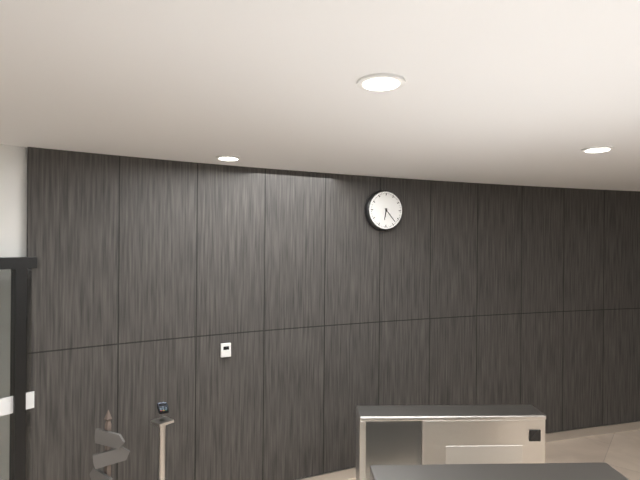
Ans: 6:23
